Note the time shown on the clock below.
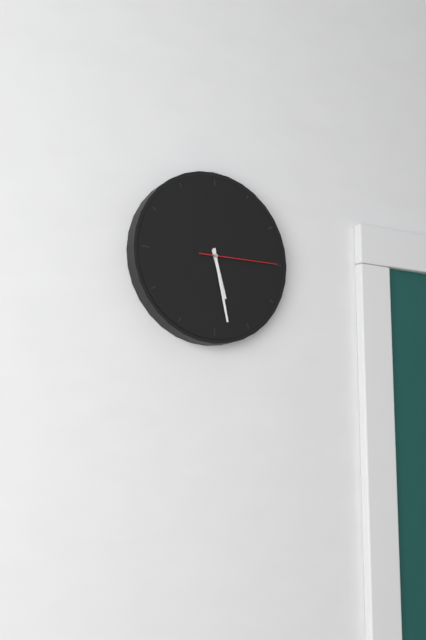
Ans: 5:28:15
